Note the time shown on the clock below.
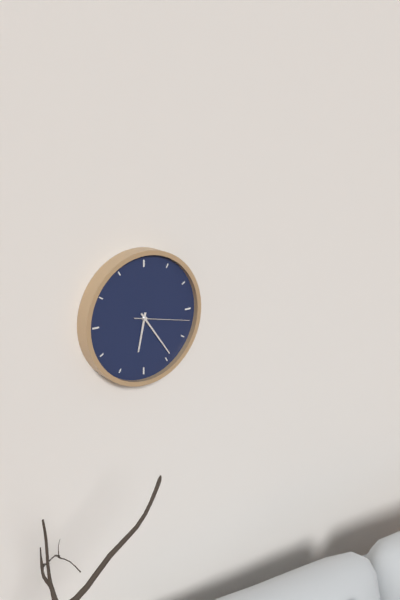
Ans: 6:24:17
